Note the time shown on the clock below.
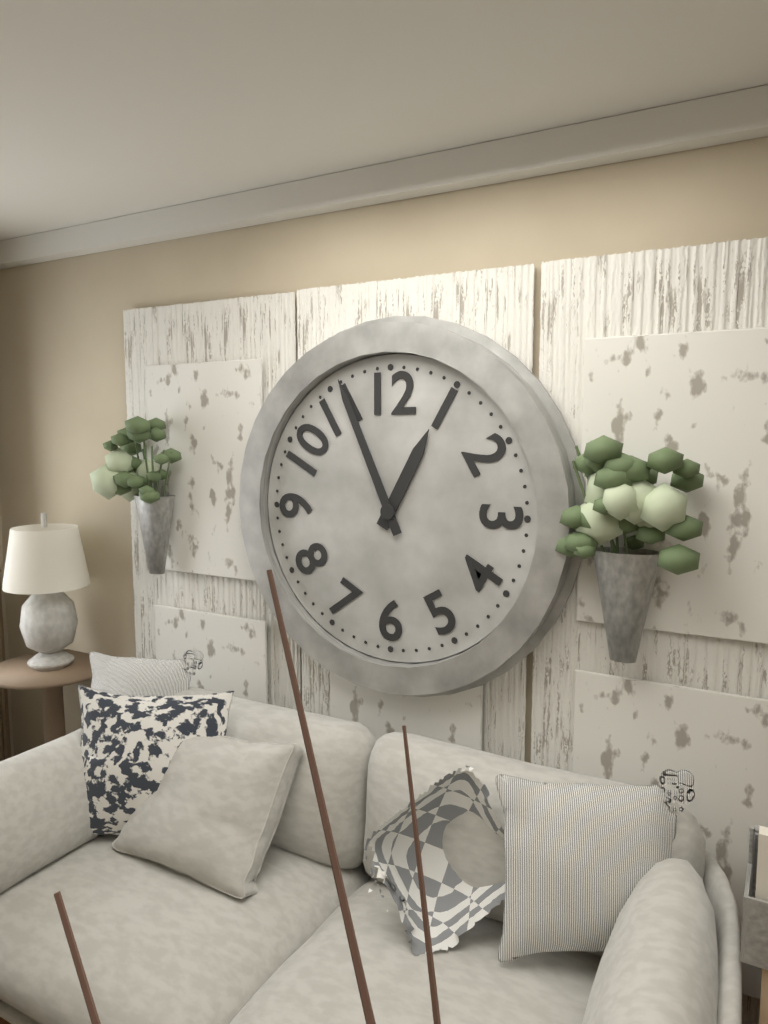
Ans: 12:56
